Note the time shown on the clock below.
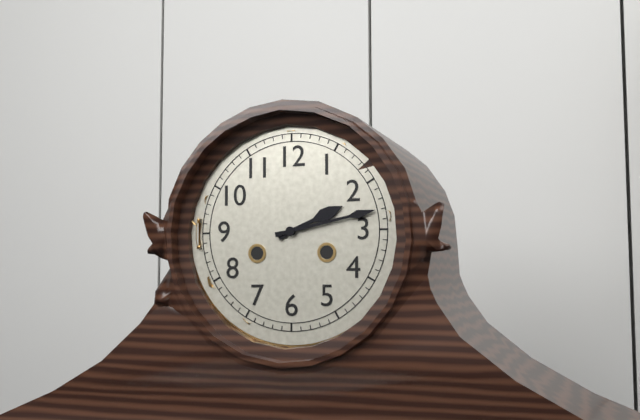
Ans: 2:13
